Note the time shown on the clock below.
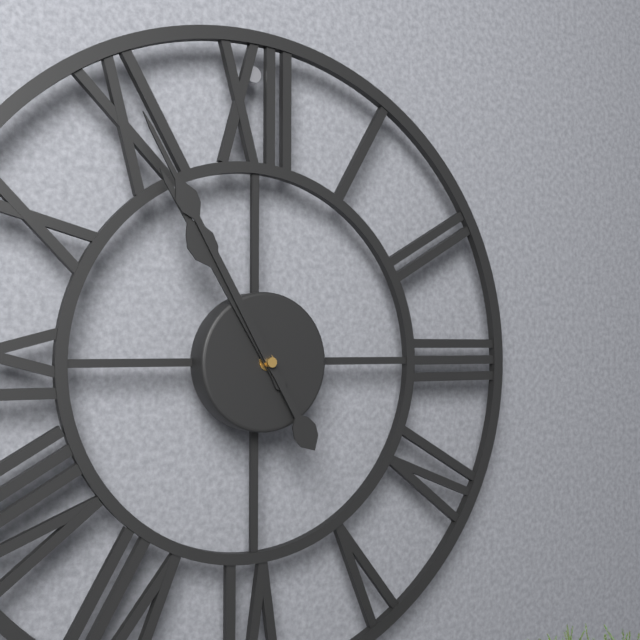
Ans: 10:55
